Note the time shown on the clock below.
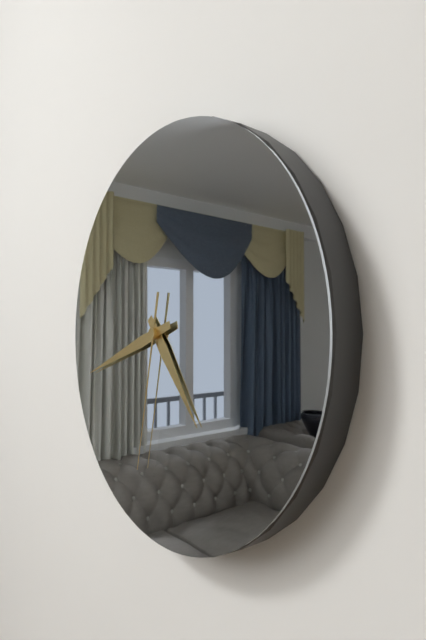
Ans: 4:42:32
